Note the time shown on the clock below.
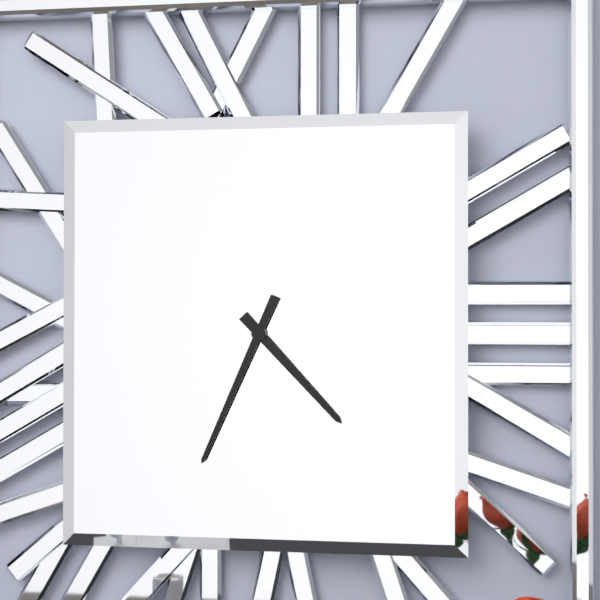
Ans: 4:34
